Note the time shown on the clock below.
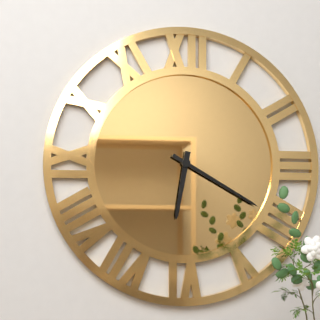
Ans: 6:20
